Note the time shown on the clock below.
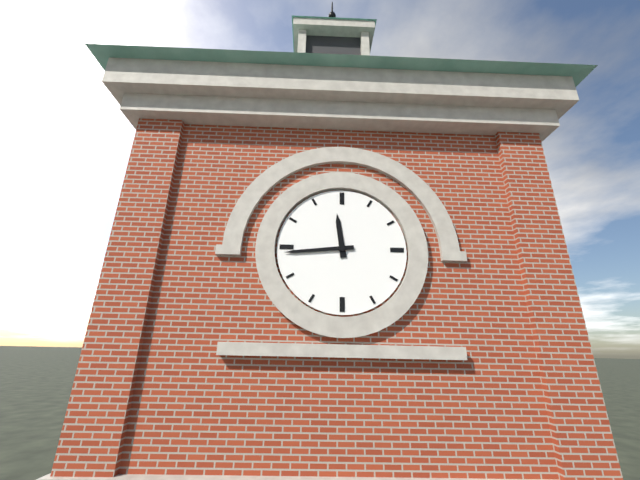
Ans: 11:44
